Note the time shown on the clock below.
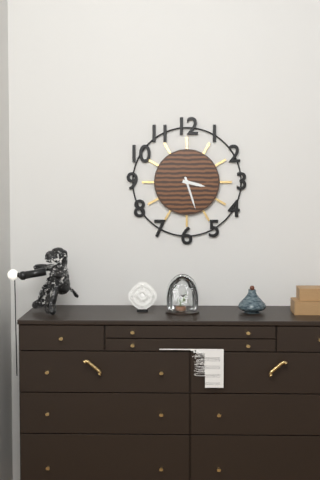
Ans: 3:27
